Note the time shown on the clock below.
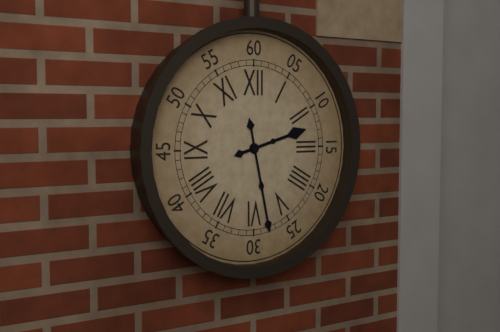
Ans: 2:28
